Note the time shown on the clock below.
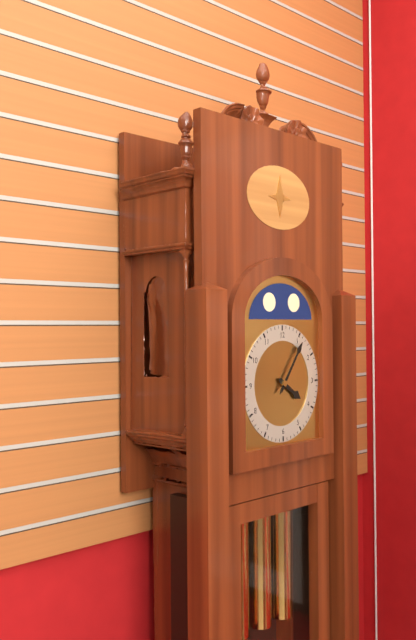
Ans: 4:06
